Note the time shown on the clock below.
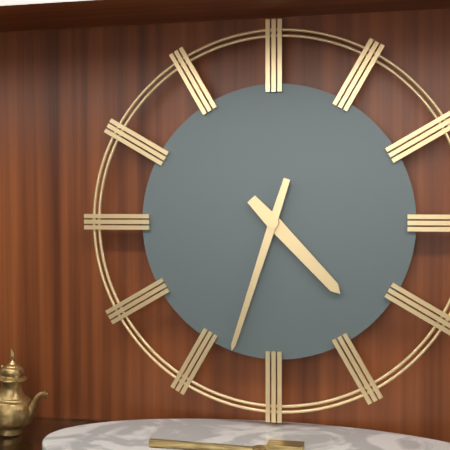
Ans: 4:33
